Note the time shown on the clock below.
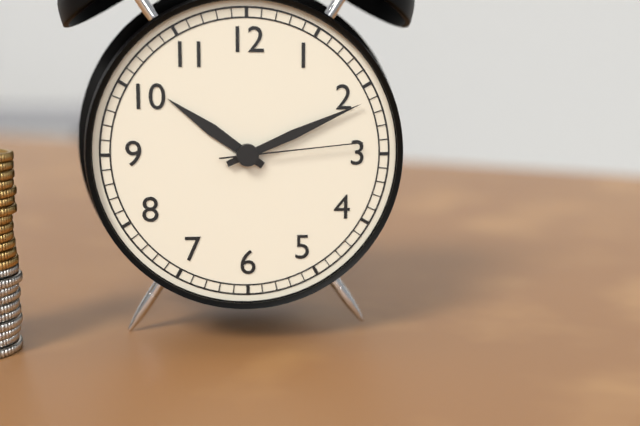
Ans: 10:11:14
